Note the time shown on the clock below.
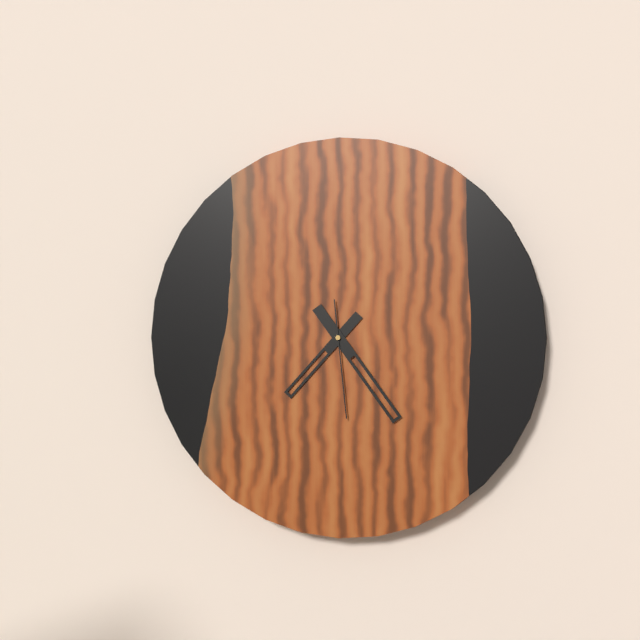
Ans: 7:24:29
